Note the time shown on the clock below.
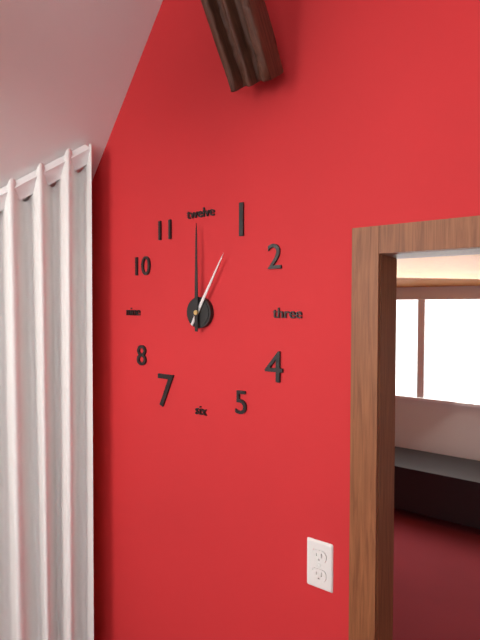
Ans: 1:00
